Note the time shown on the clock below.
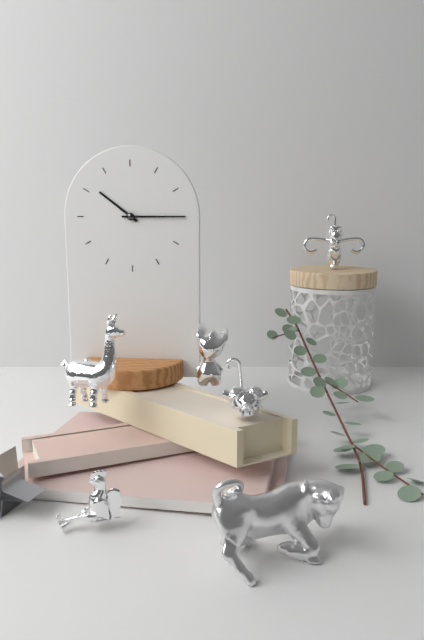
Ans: 10:15
